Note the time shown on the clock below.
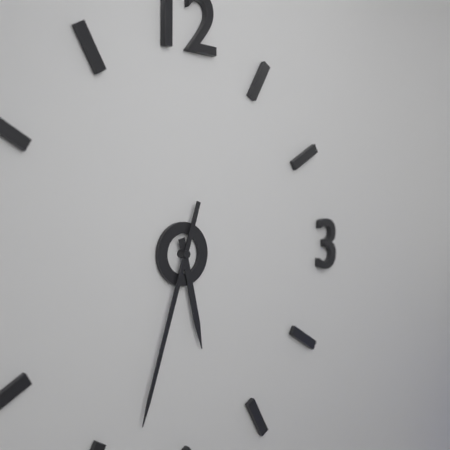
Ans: 5:33
